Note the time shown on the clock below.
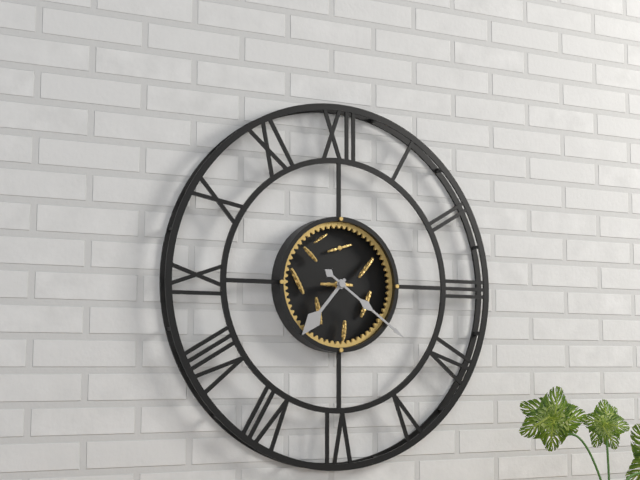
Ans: 7:21
